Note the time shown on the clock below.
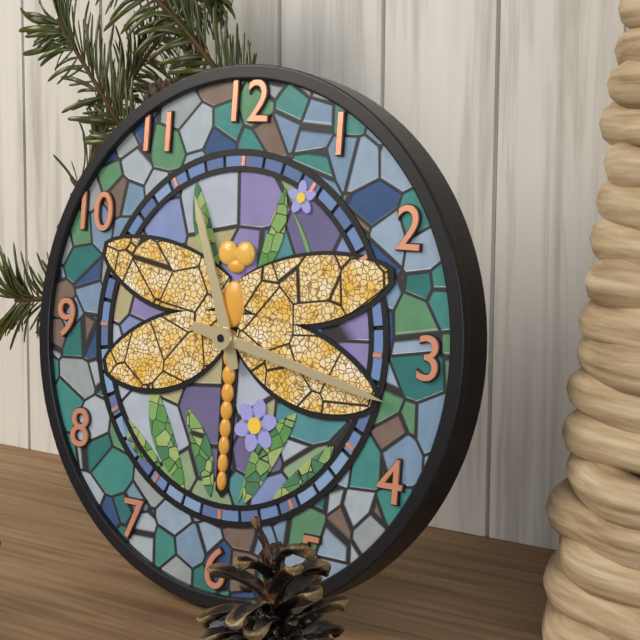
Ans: 11:17
